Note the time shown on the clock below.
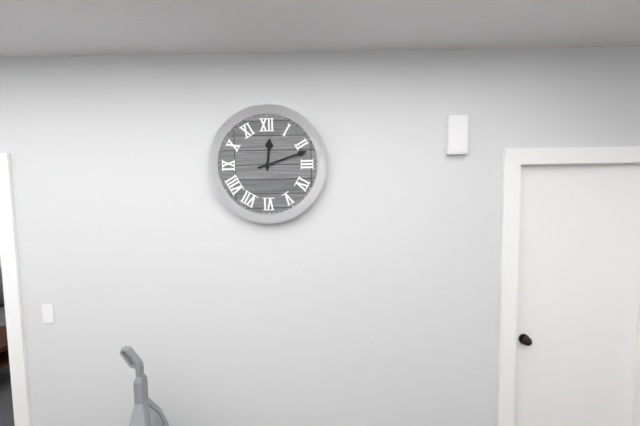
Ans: 12:12
